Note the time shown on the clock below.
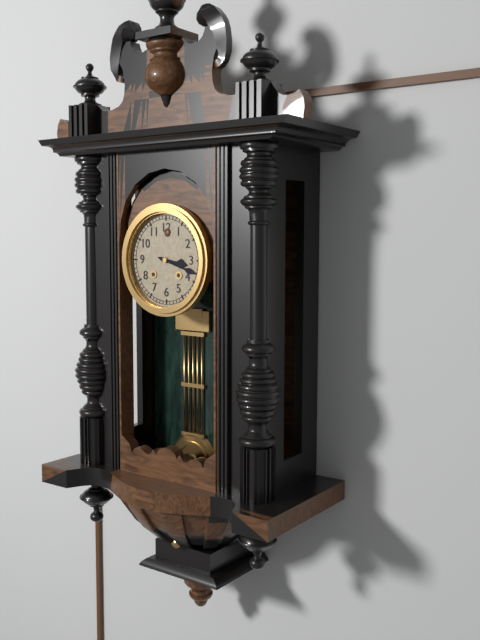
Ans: 3:18
